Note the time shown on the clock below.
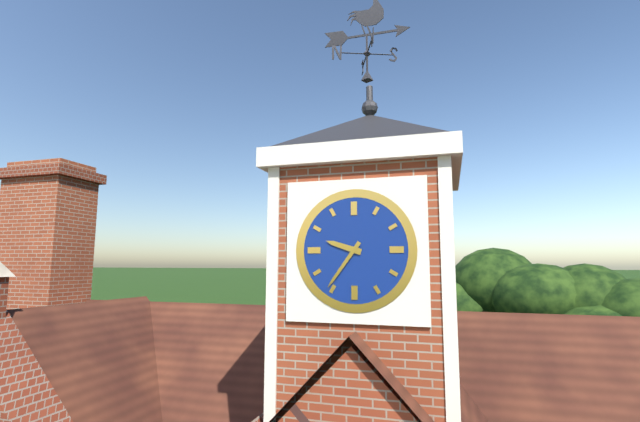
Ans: 9:36
